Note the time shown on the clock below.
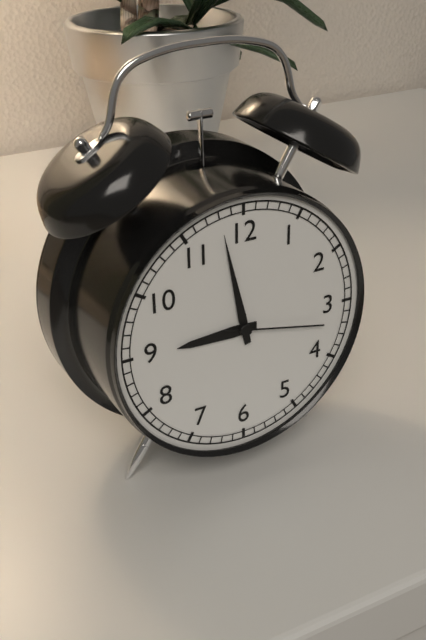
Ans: 8:58:17
